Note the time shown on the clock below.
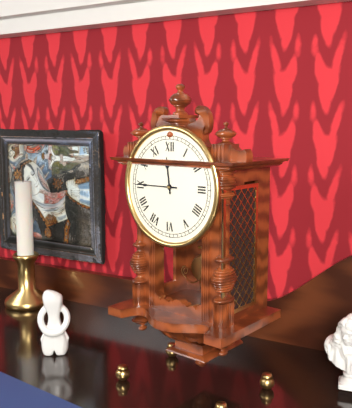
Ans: 11:45
